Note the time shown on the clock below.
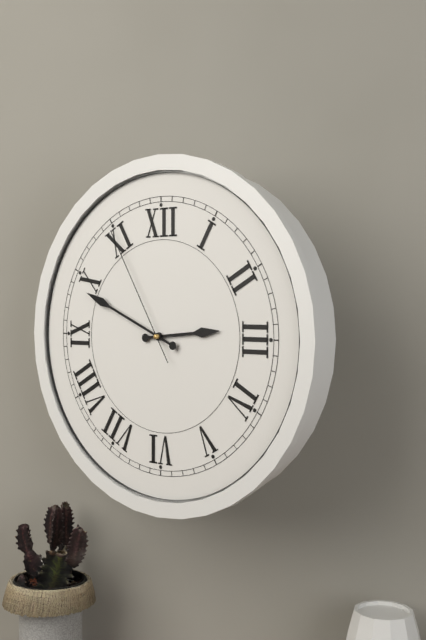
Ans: 2:49:55
